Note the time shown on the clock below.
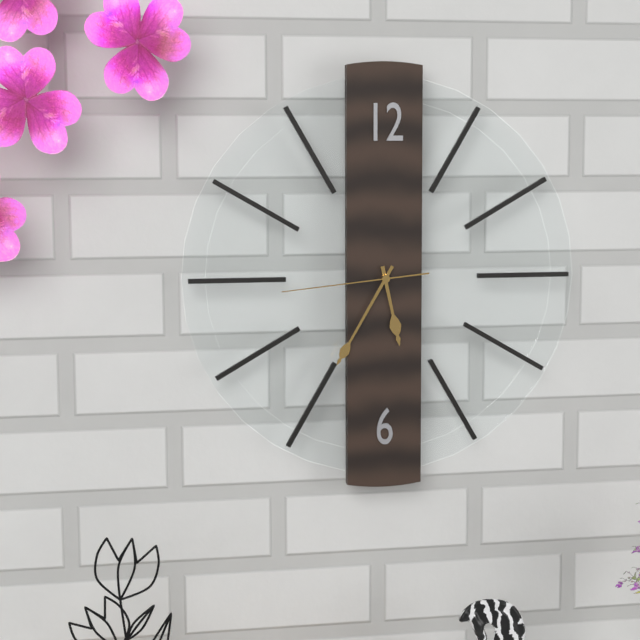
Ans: 5:35:44
